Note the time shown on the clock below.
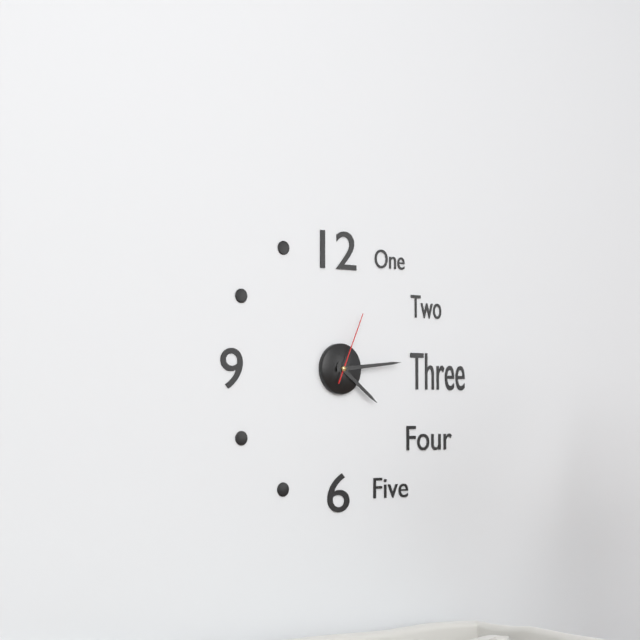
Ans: 4:14:04
